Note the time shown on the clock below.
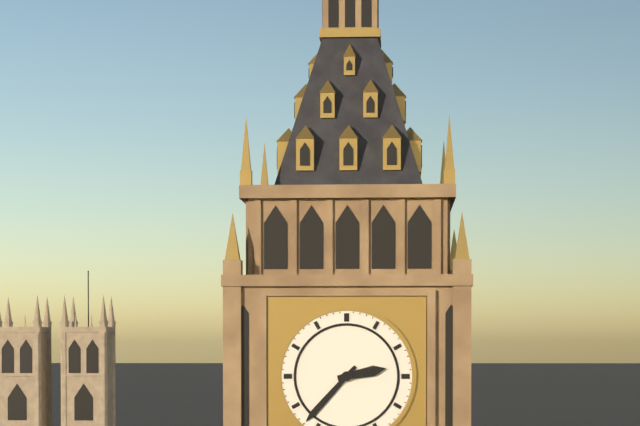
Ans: 2:37
